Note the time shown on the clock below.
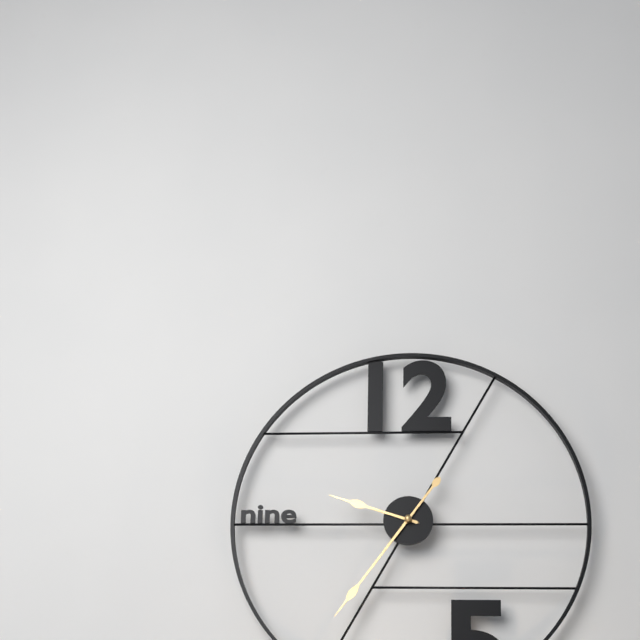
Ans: 9:36
